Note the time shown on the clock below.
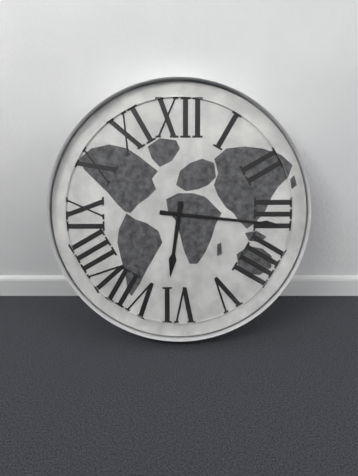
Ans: 6:16
